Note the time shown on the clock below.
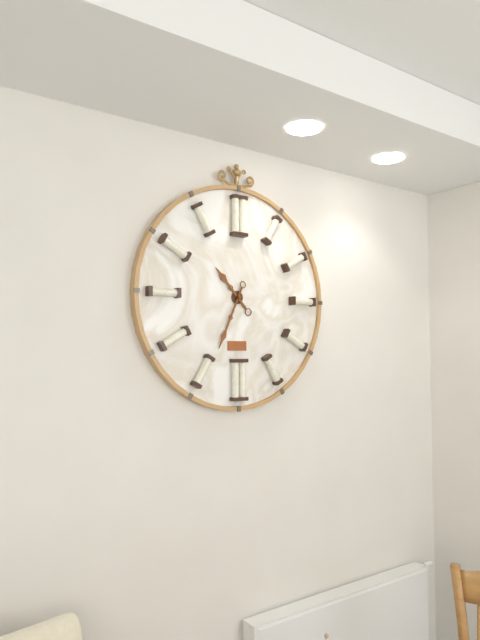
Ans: 10:34
